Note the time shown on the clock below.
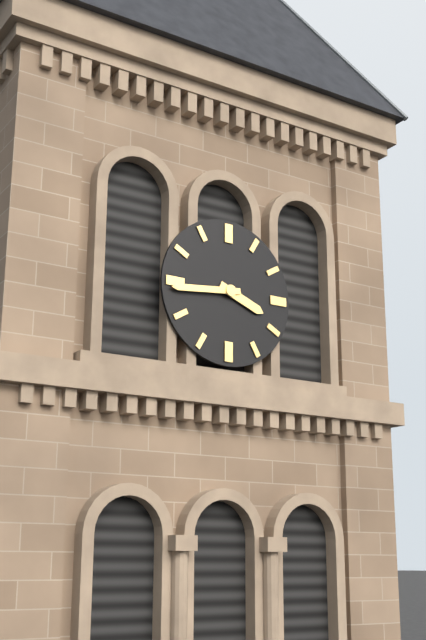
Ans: 3:44
